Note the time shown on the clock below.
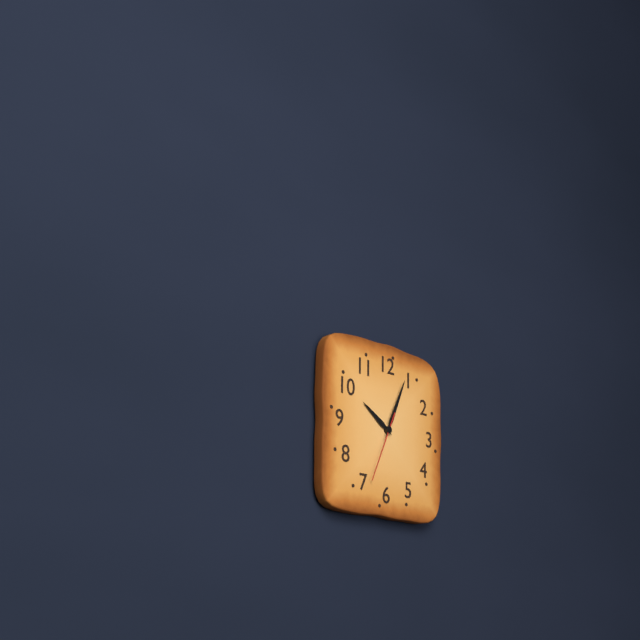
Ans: 10:04:34
